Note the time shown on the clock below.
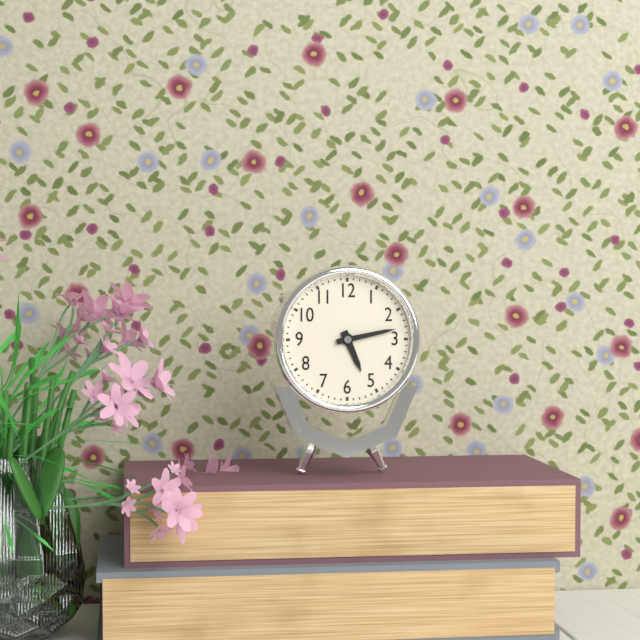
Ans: 5:13
